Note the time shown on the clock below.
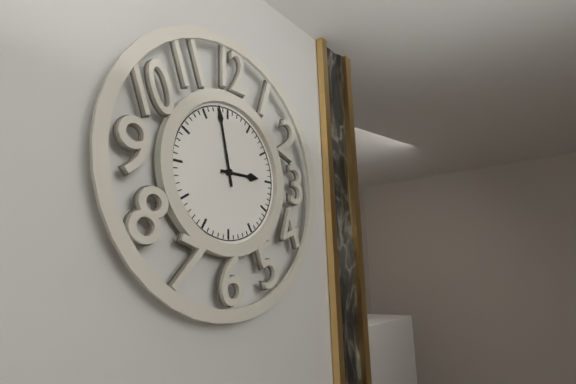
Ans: 2:58
